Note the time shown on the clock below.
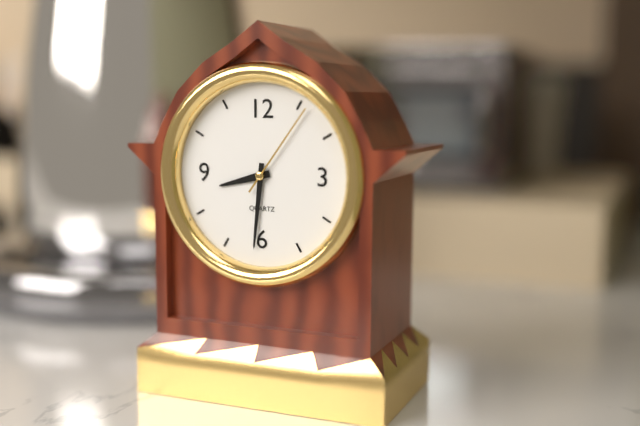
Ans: 8:31:06
